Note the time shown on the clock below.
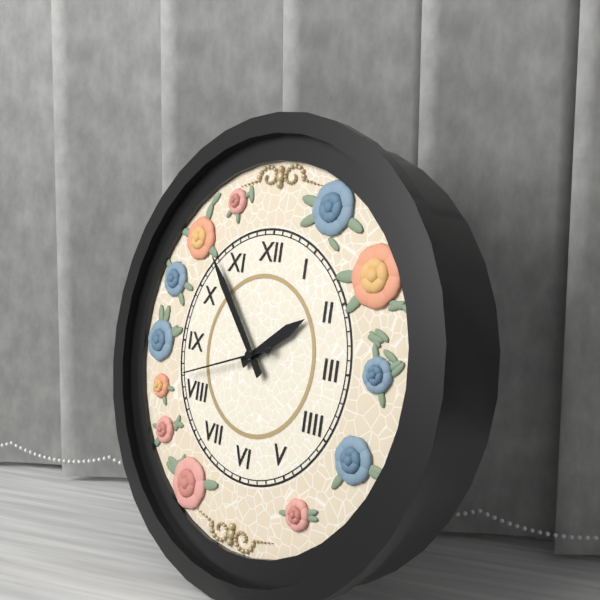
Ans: 1:53:42
